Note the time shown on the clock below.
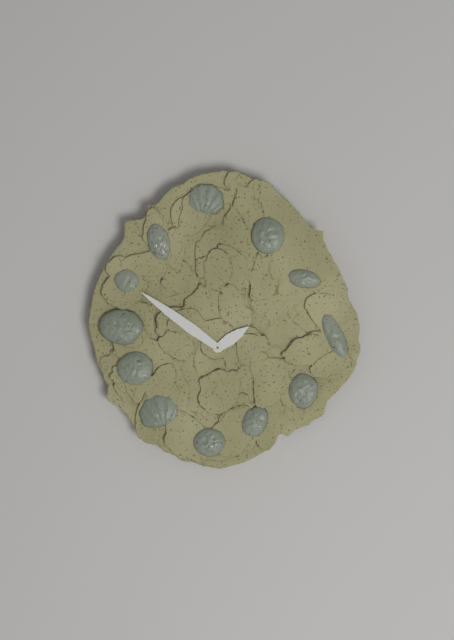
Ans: 1:51
